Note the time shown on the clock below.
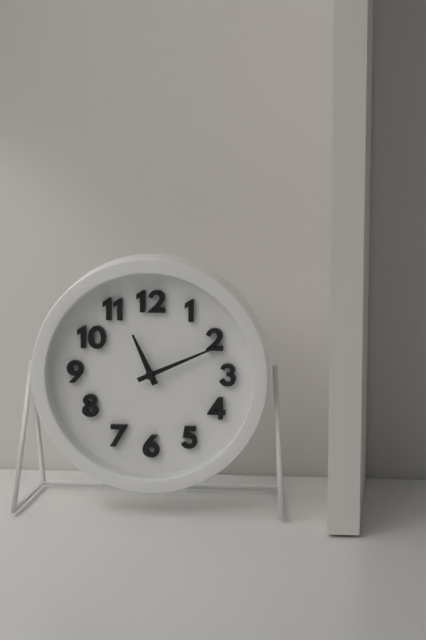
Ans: 11:11
